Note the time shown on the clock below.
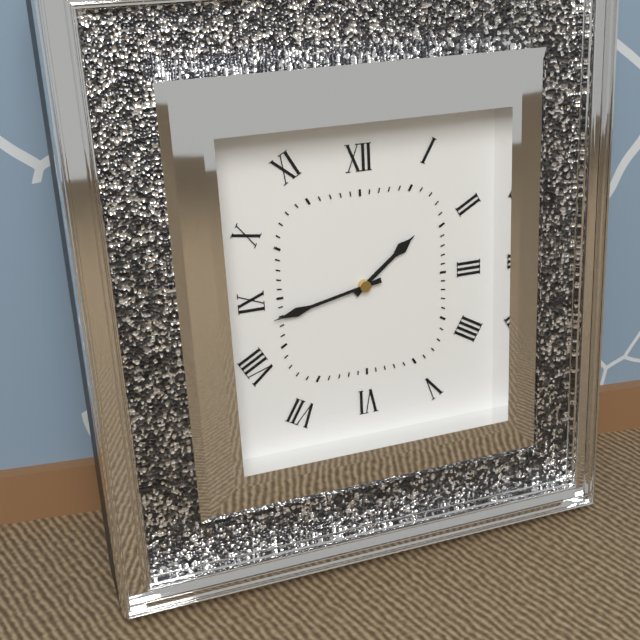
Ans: 1:43
